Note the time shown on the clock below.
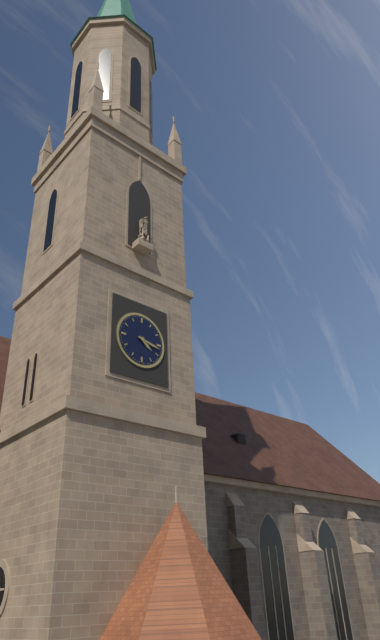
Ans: 4:17
